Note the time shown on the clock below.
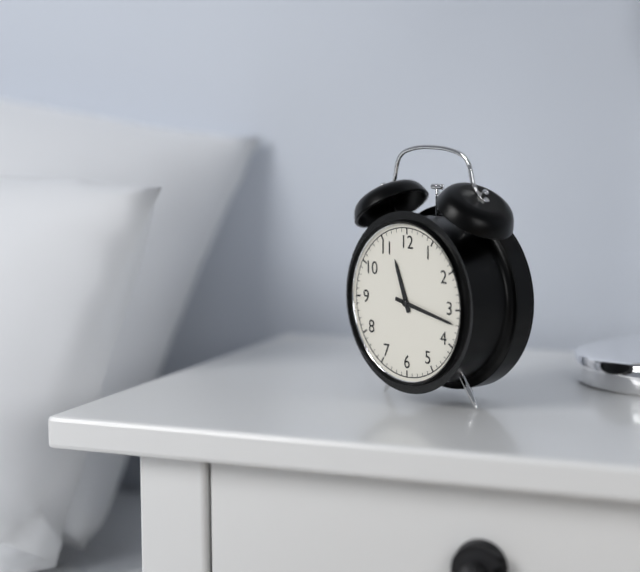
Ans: 11:17
